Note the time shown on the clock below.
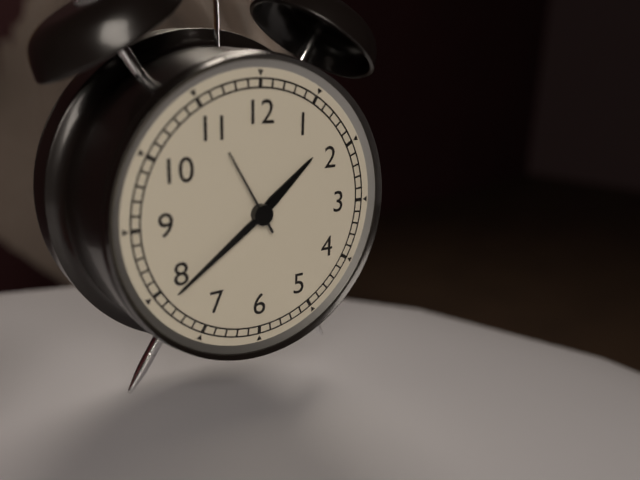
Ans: 1:39:55
